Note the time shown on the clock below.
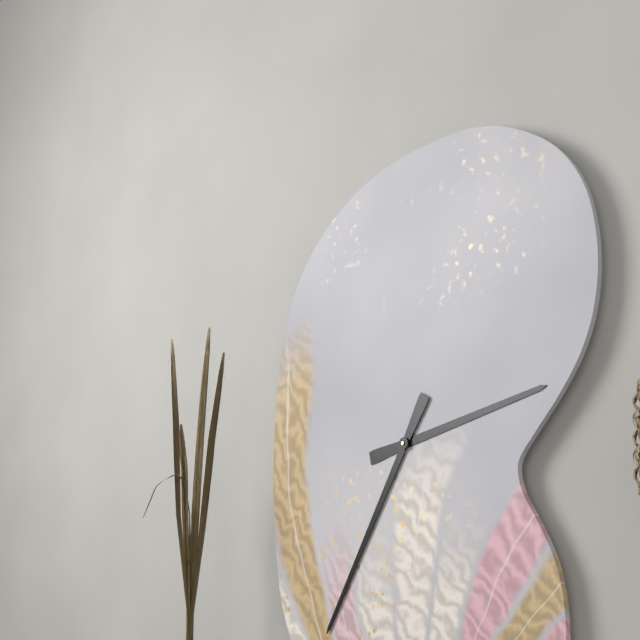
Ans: 2:35
